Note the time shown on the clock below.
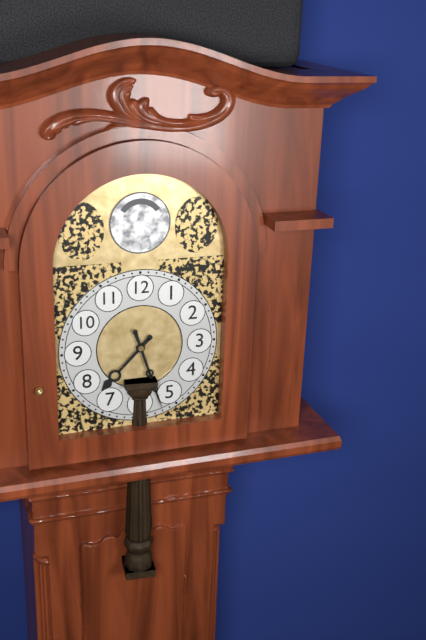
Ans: 7:27
